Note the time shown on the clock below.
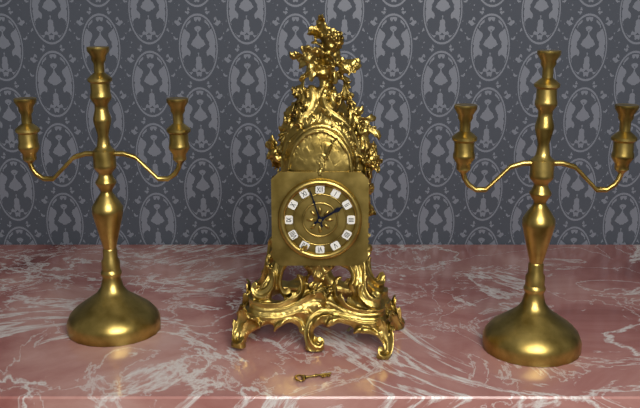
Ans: 1:57
